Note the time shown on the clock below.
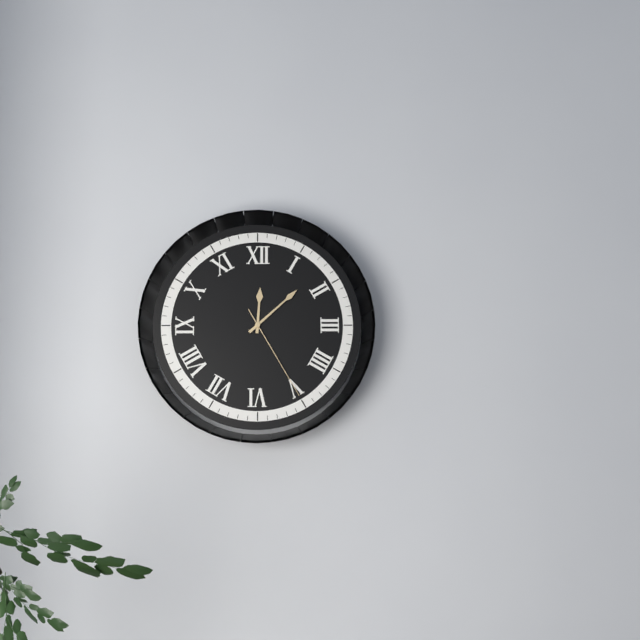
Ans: 12:08:25
